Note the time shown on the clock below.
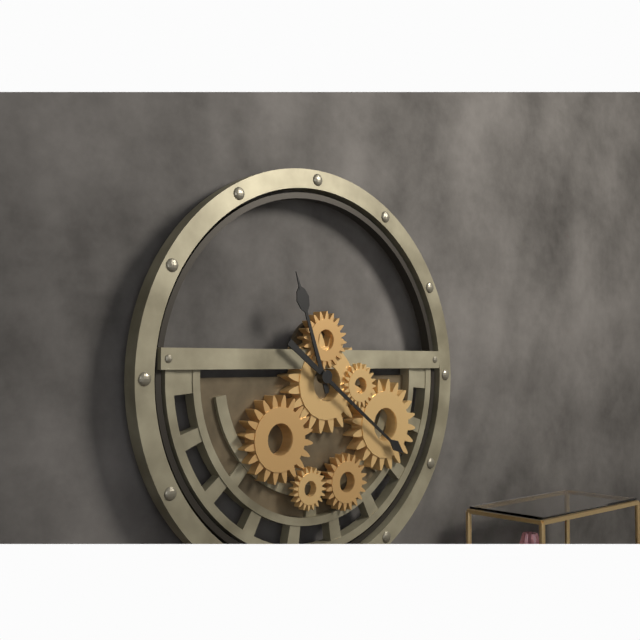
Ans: 11:21
